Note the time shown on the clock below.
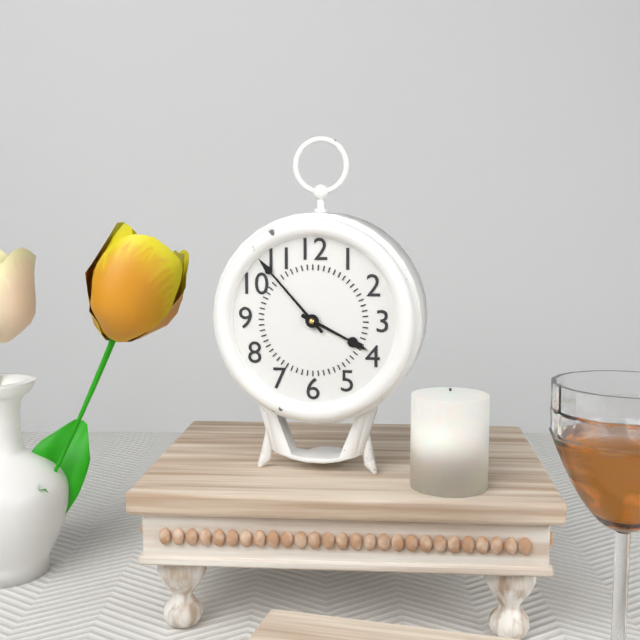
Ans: 3:53
